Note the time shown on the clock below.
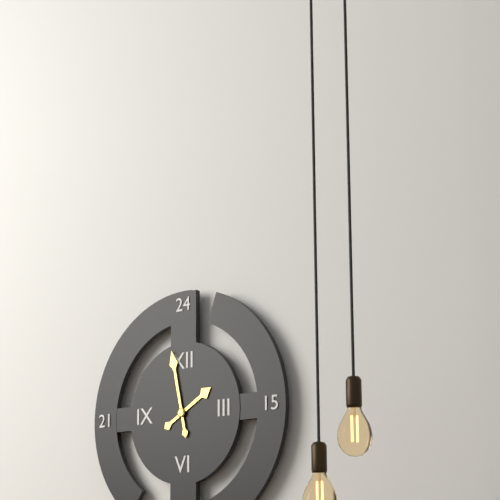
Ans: 1:58
